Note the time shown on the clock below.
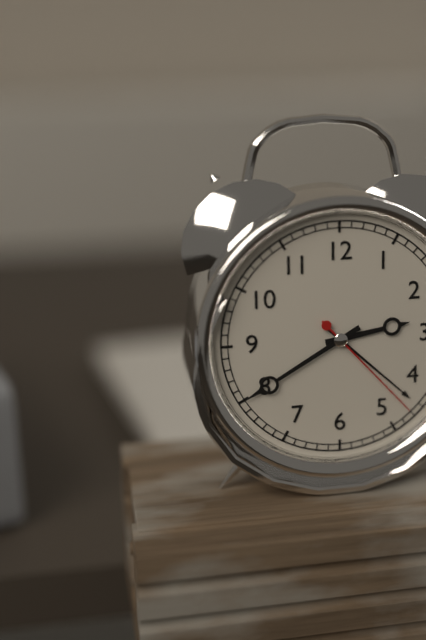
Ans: 2:40:23
